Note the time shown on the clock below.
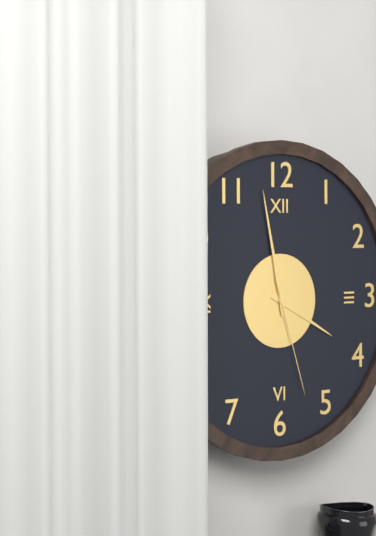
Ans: 3:58:27
